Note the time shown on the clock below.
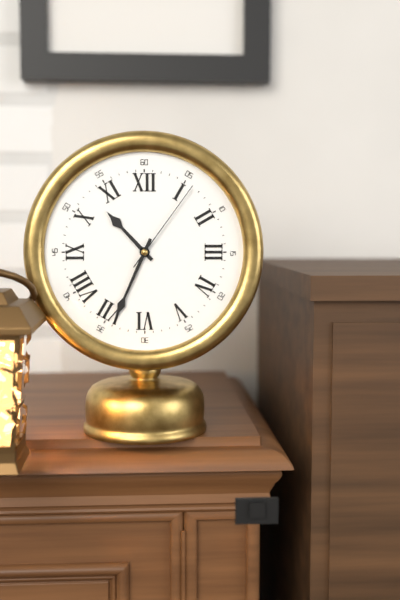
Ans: 10:34:06
